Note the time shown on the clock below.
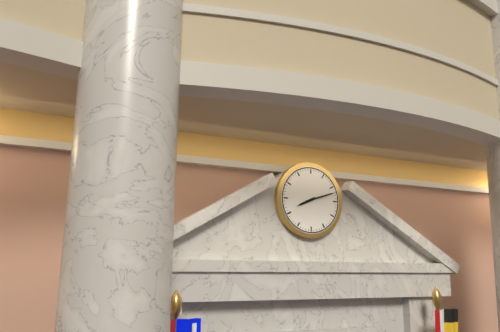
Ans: 8:12
